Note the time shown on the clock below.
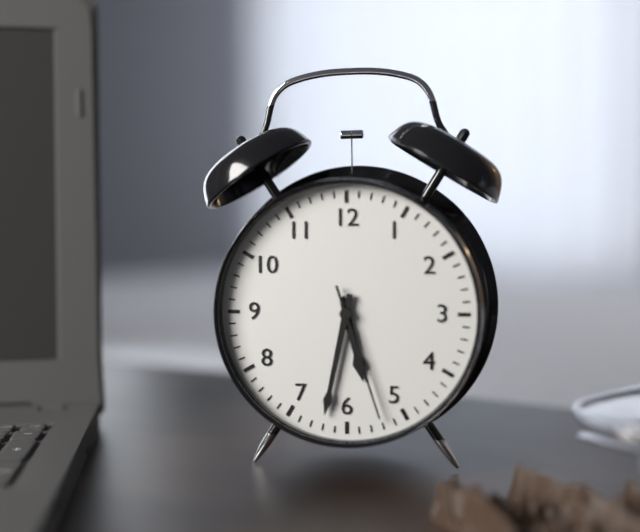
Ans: 5:32:27
